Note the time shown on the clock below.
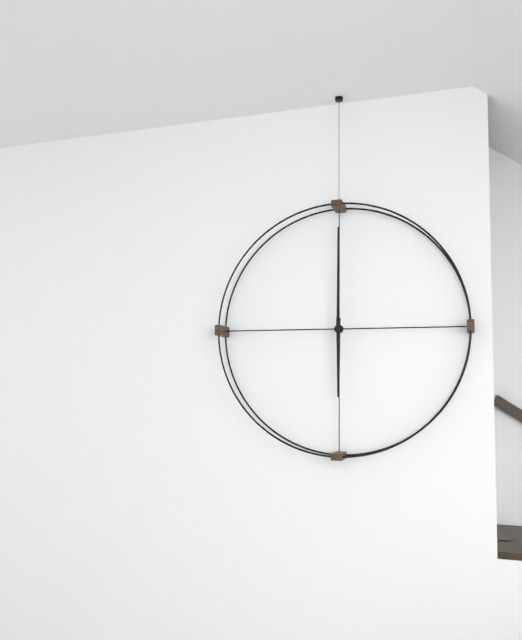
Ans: 6:00
